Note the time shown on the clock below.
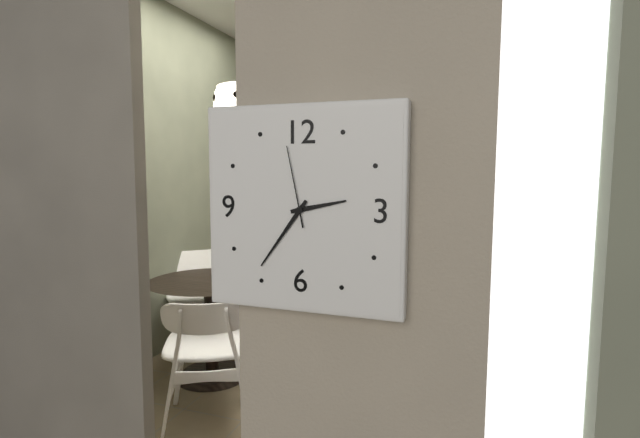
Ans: 2:36:58
